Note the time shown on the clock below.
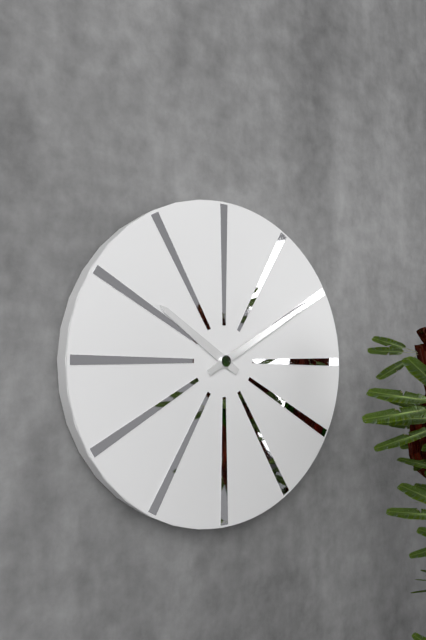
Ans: 10:10
